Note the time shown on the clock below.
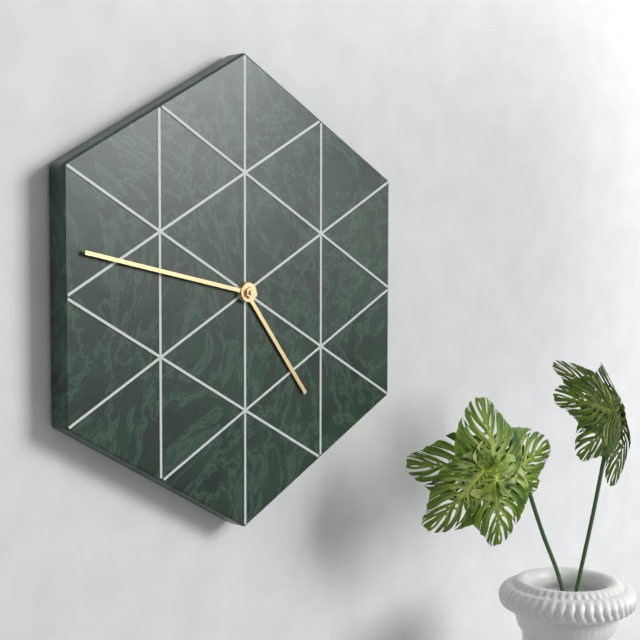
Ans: 4:47
